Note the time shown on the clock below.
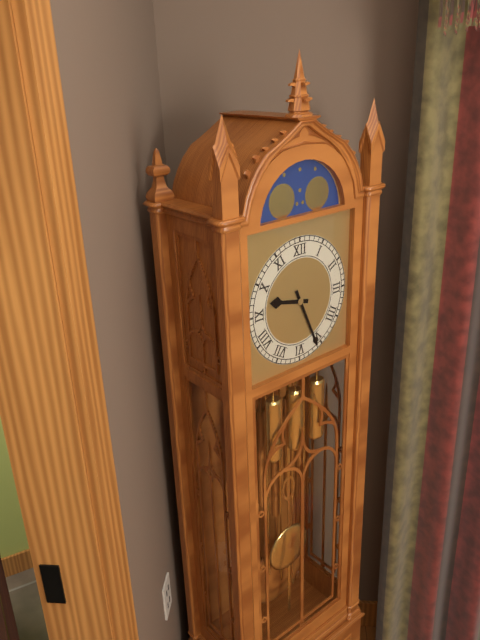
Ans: 9:26
